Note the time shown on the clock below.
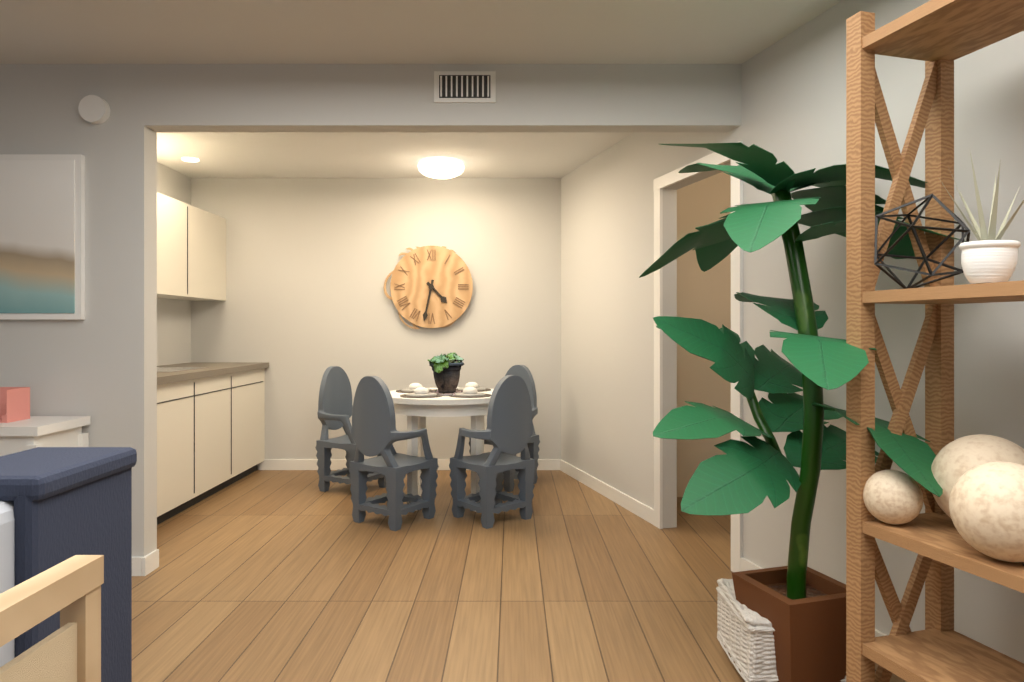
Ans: 4:32
